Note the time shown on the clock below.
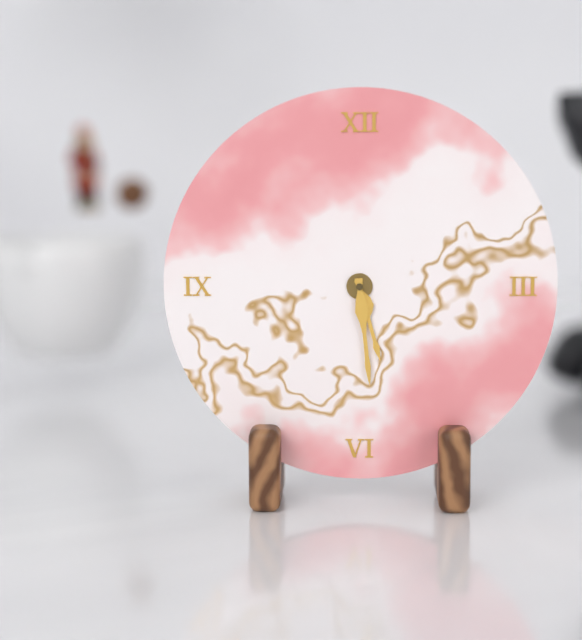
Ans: 5:29
